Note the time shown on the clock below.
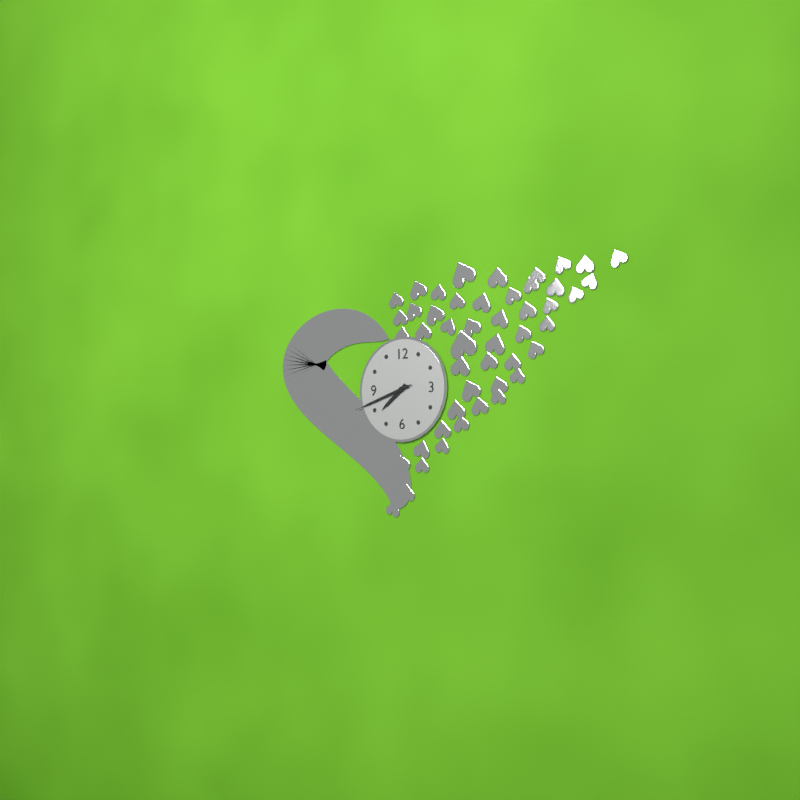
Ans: 7:42:42
